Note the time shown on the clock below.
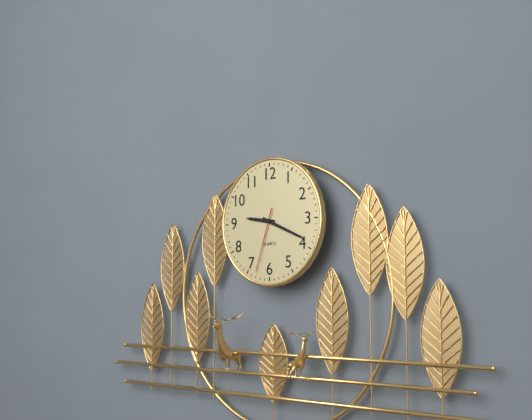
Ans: 9:19:33
